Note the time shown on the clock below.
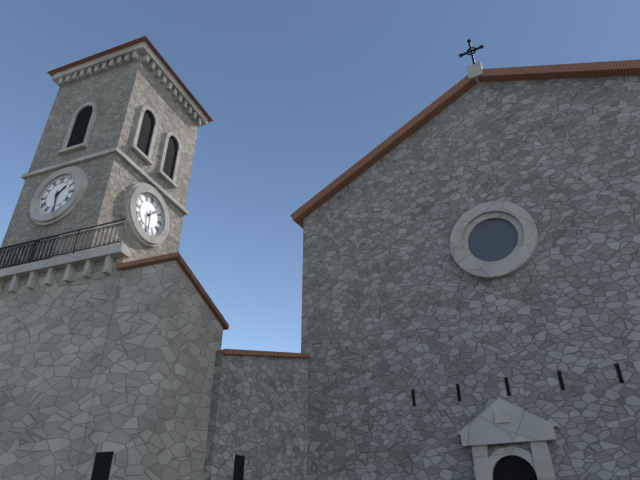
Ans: 1:29
